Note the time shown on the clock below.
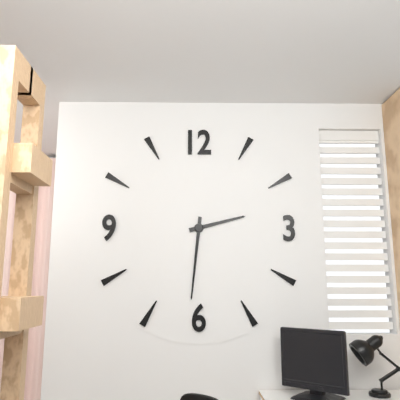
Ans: 2:31
